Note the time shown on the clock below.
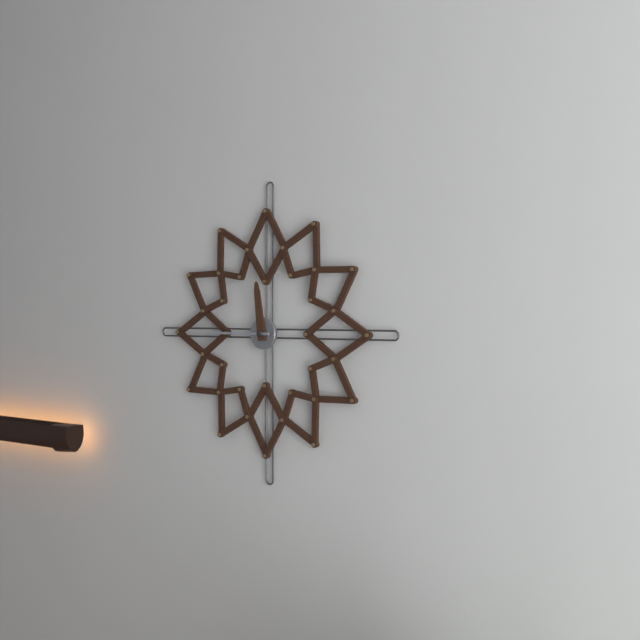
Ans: 11:45
